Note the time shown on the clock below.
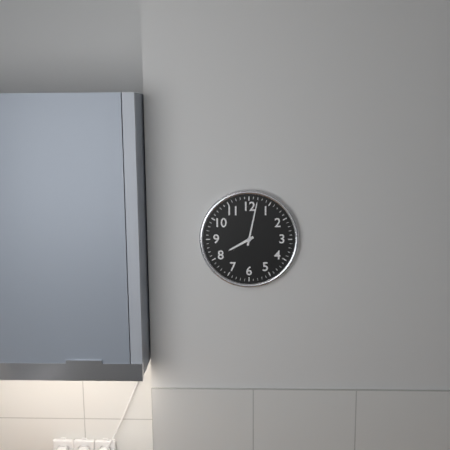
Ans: 8:02
